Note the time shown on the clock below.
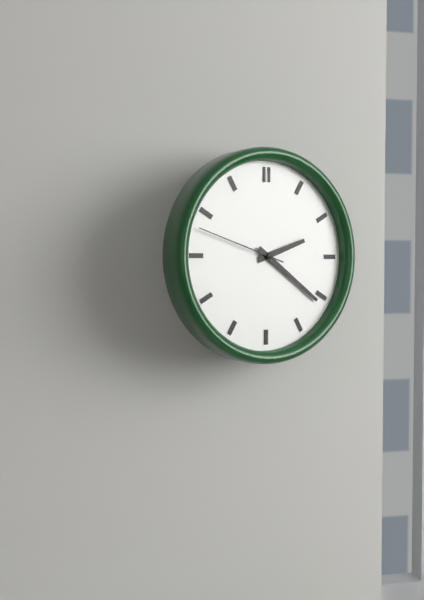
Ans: 2:21:48
